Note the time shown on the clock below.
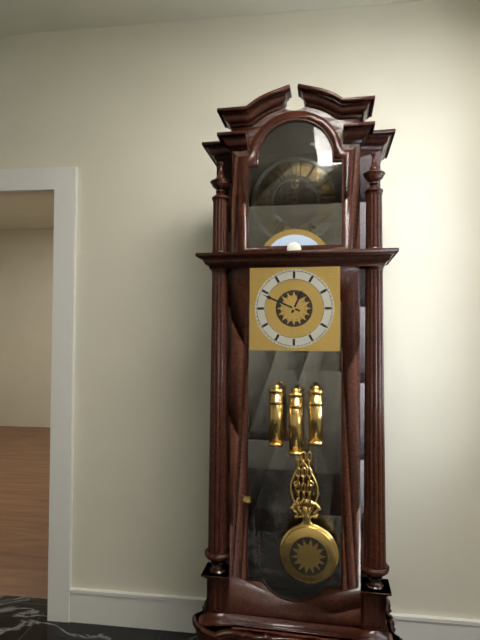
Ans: 12:49
